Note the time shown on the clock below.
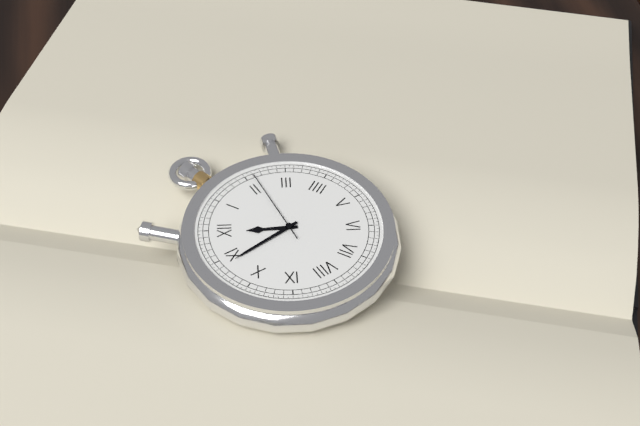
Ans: 11:54:11
